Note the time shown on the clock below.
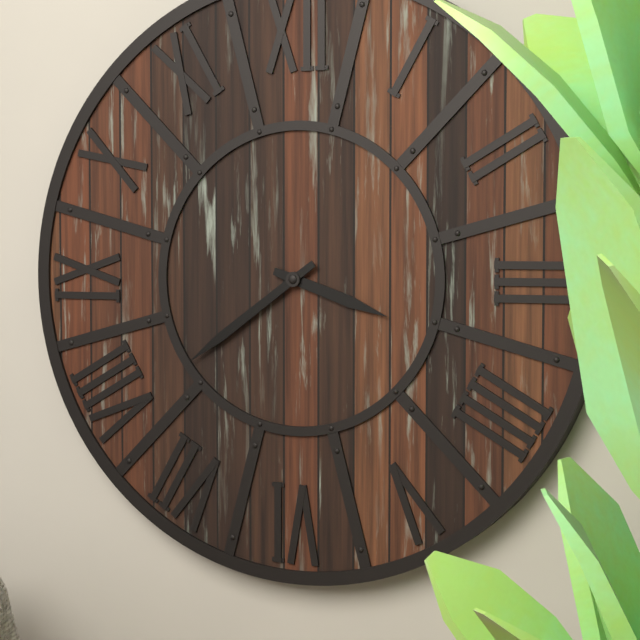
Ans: 3:39
